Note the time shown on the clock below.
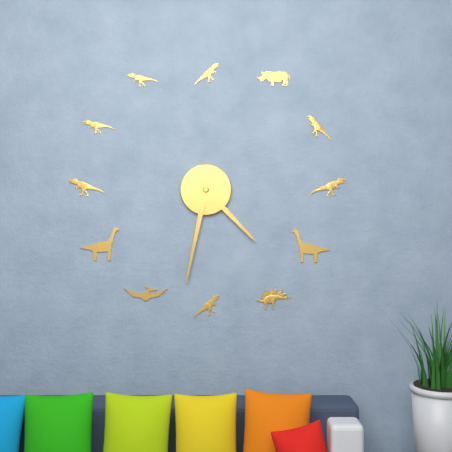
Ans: 4:32
